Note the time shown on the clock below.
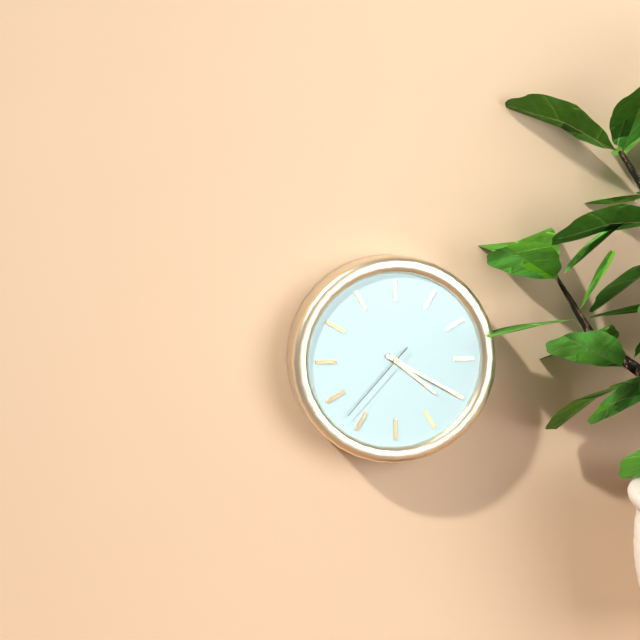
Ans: 4:20:37
